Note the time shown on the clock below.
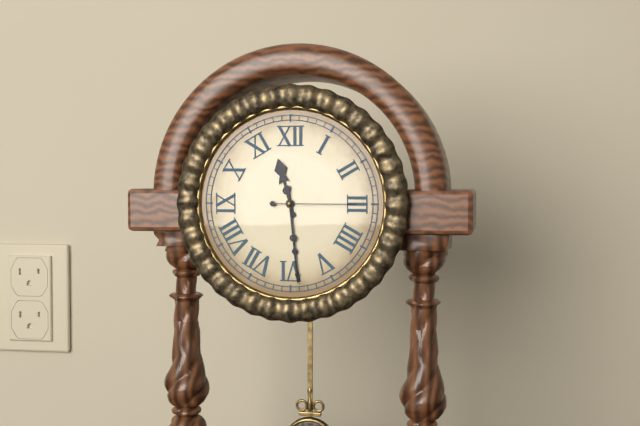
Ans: 11:29:15
